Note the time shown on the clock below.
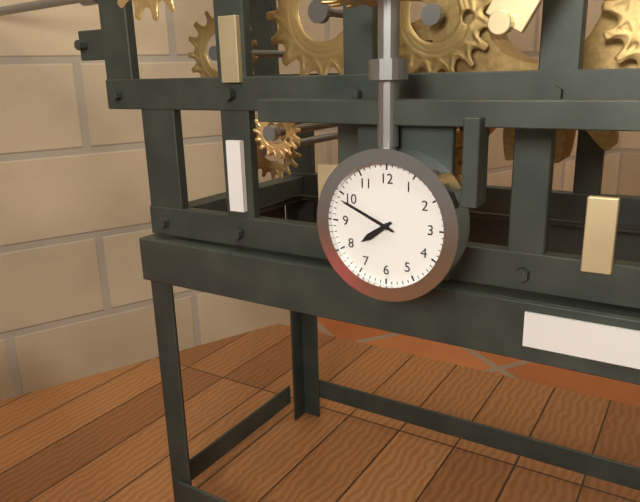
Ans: 7:49
